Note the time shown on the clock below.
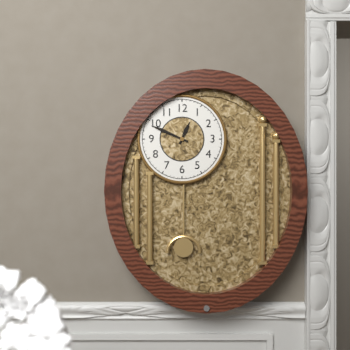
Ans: 12:49
